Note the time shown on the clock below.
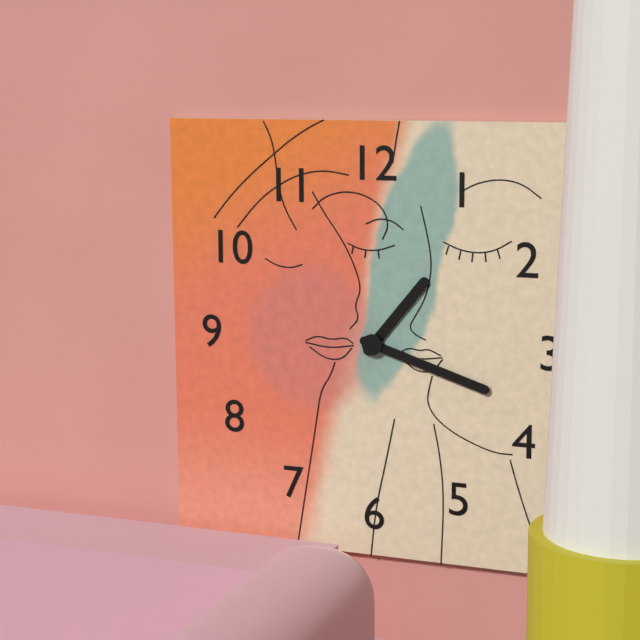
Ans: 1:18
